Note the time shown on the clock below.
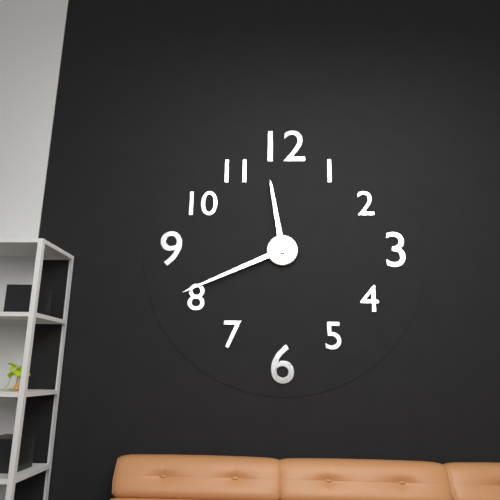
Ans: 11:41
